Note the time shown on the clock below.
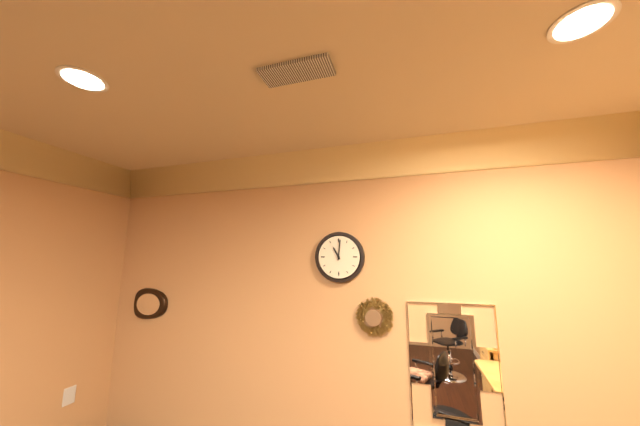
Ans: 11:01
